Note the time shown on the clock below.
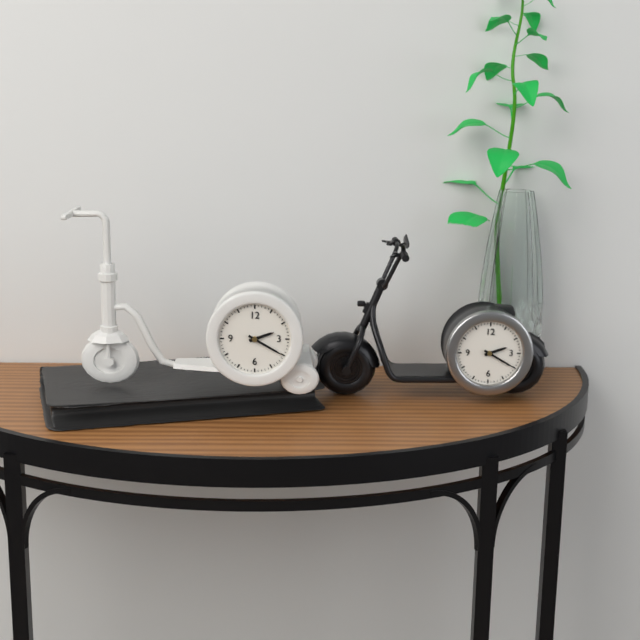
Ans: 2:20
